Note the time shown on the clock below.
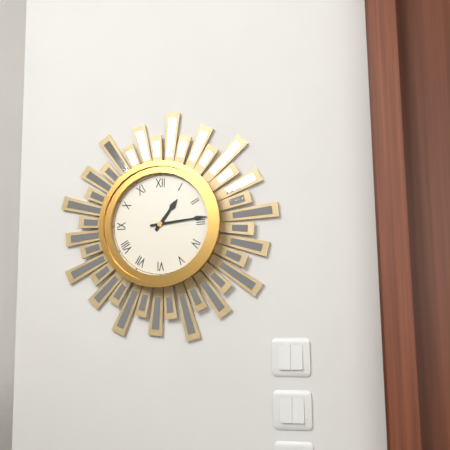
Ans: 1:14
